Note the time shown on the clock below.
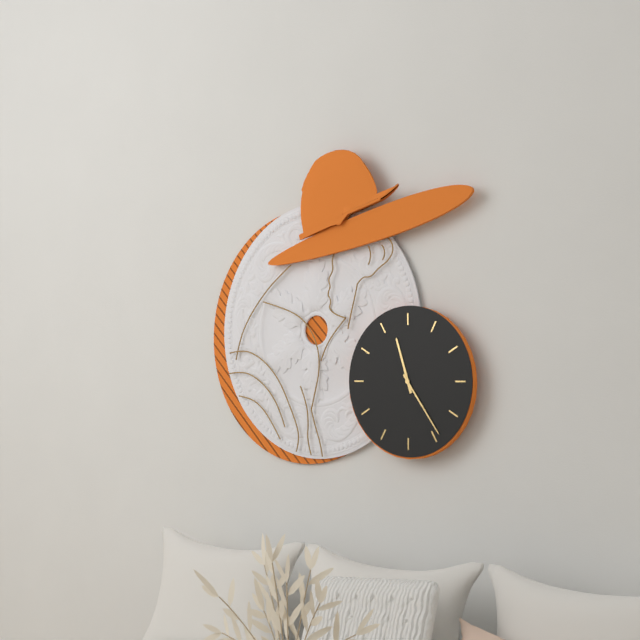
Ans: 11:24
